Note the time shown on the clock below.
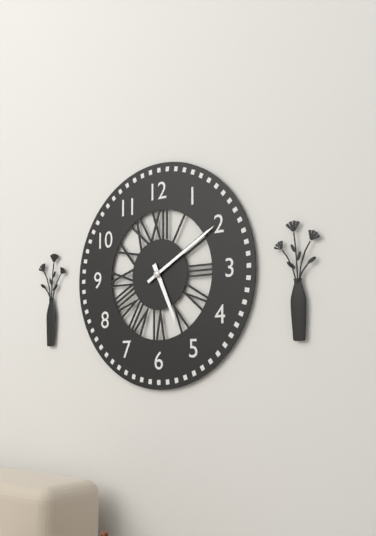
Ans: 5:10
